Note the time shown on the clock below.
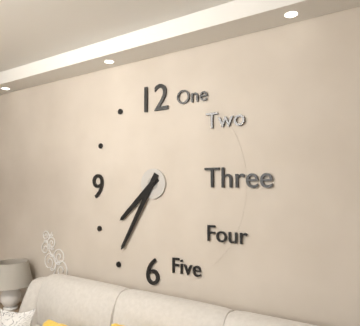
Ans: 7:35
